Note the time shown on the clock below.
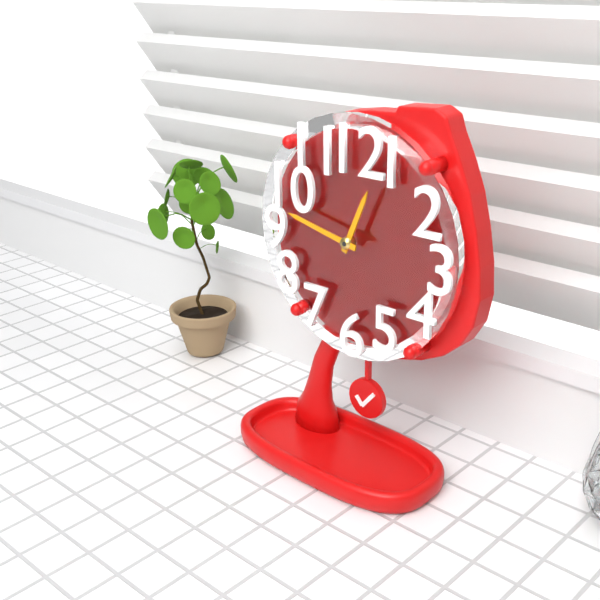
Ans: 12:47
